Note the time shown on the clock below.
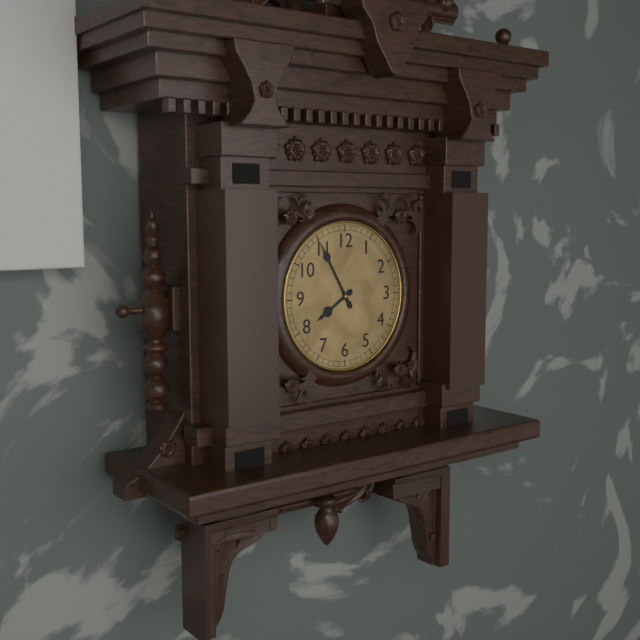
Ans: 7:55
